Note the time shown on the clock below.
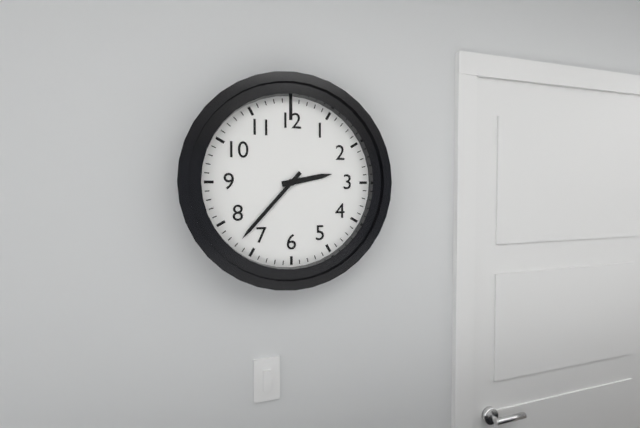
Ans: 2:37
